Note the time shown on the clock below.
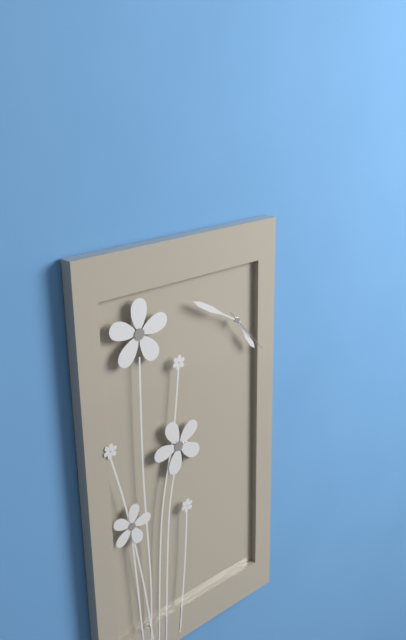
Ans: 4:50
